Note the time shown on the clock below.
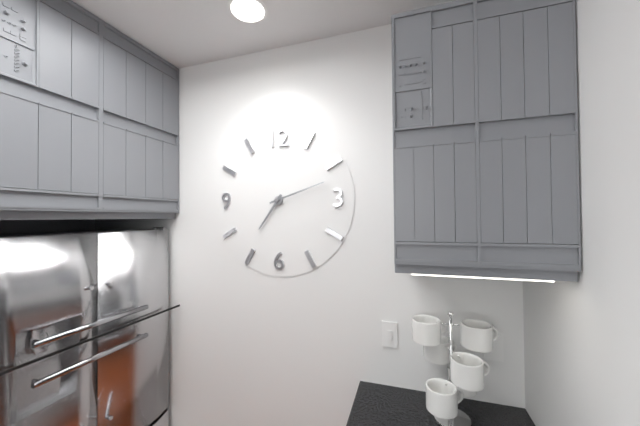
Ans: 7:12
